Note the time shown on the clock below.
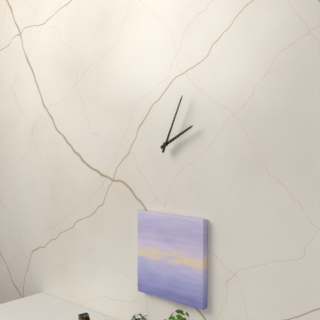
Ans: 2:04
